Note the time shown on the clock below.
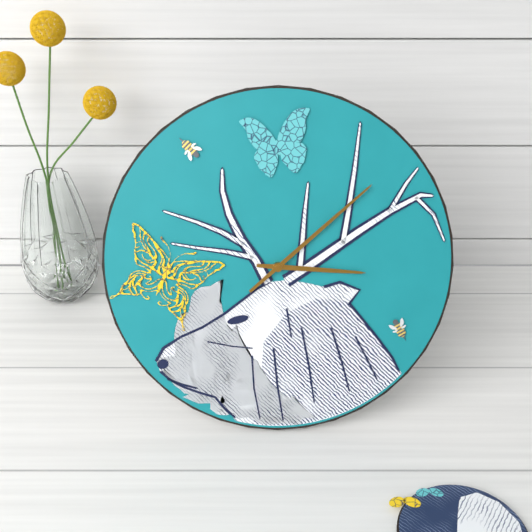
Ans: 3:08
